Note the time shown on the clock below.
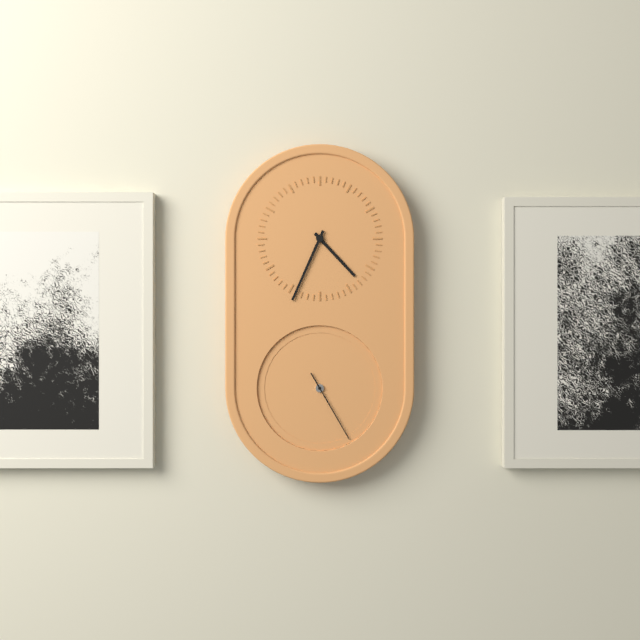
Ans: 4:34:25
